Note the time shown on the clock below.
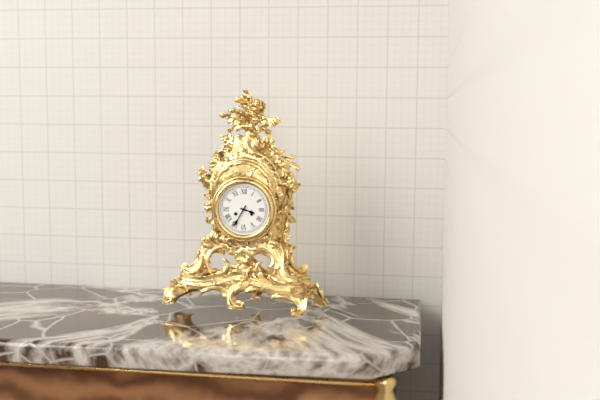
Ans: 3:35
